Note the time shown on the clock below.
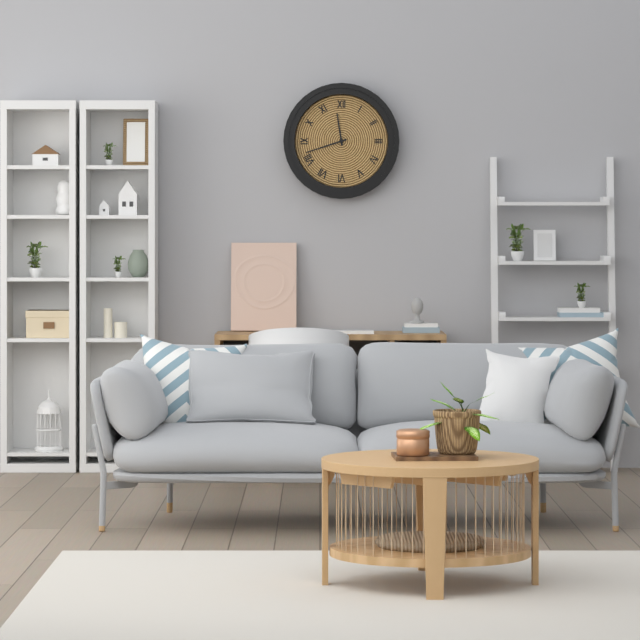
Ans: 11:42
